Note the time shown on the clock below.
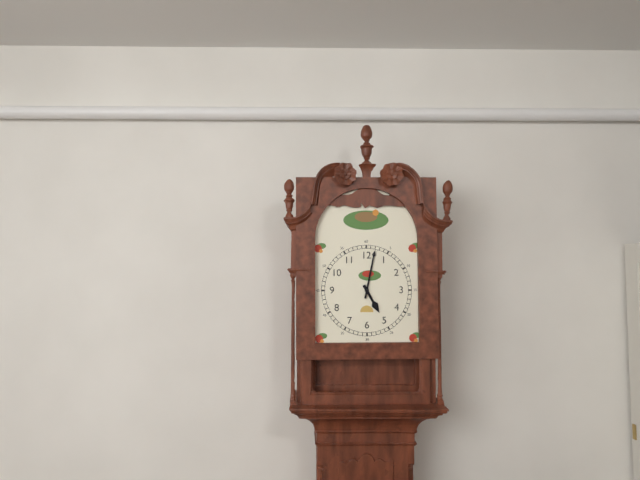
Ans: 5:02
